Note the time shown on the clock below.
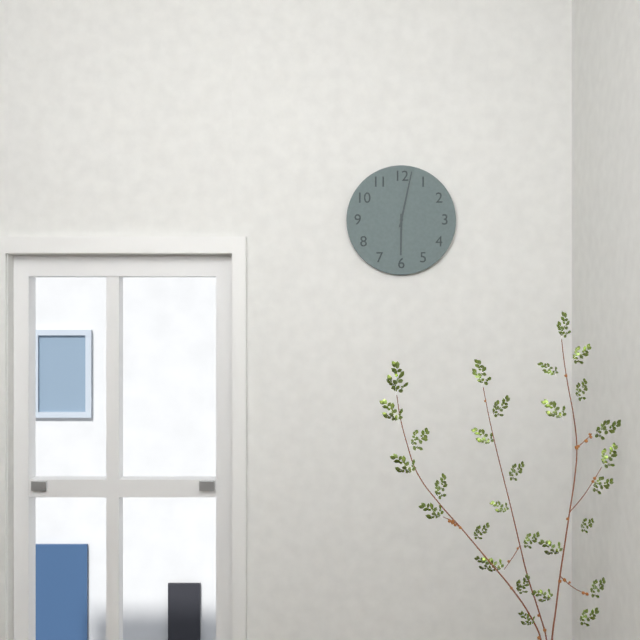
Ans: 6:02
